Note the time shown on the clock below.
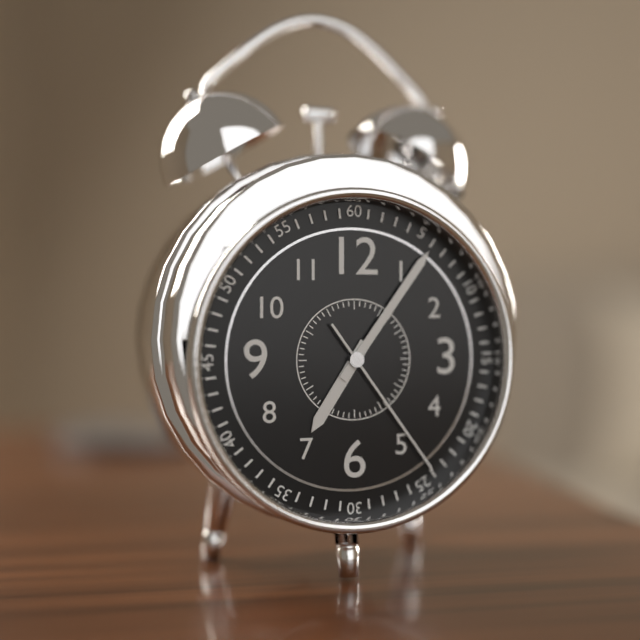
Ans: 7:06:24
